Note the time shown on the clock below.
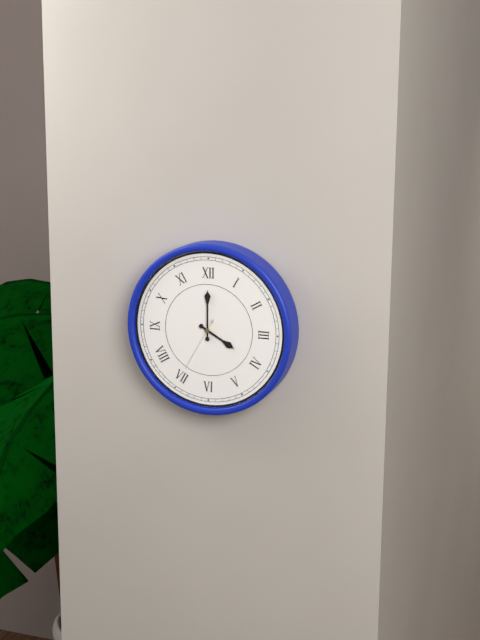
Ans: 4:00:35
